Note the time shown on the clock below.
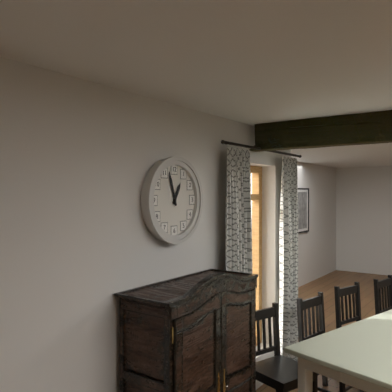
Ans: 12:57
